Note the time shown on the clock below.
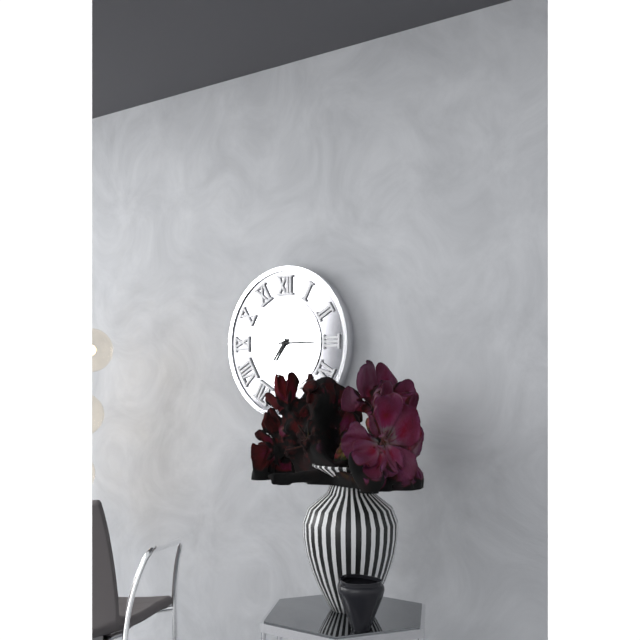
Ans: 7:15
